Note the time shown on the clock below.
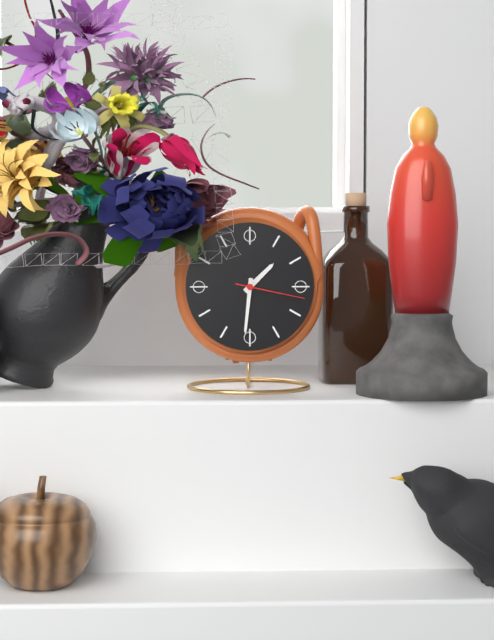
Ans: 1:31:17
